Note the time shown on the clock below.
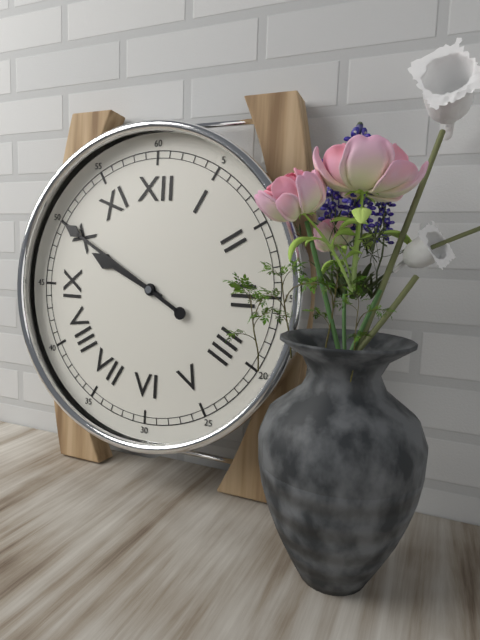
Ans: 9:50
